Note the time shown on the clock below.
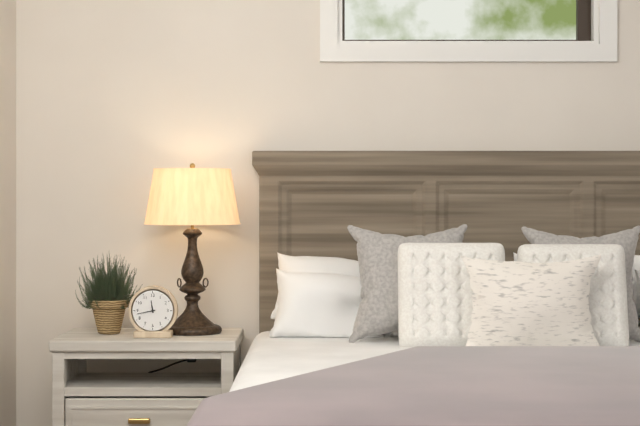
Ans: 11:43
